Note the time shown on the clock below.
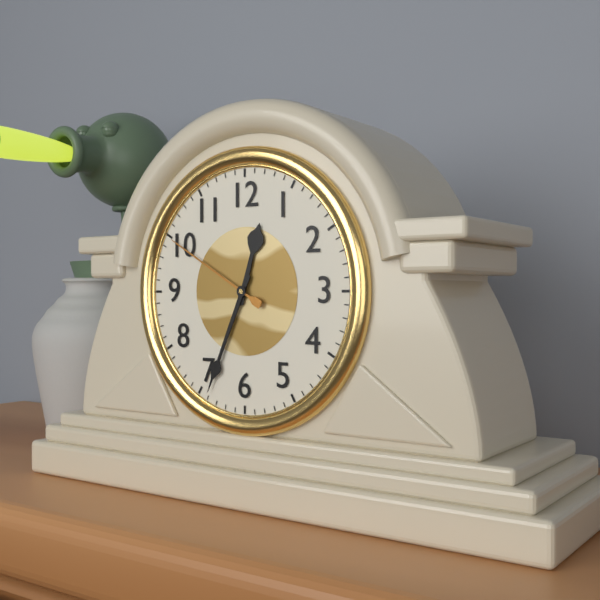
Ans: 12:34:50
